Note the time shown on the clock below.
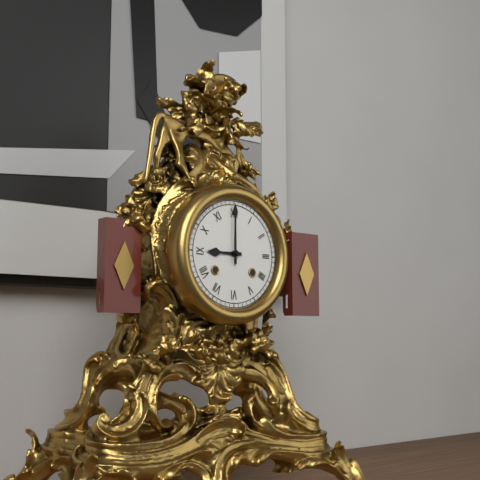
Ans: 9:00
